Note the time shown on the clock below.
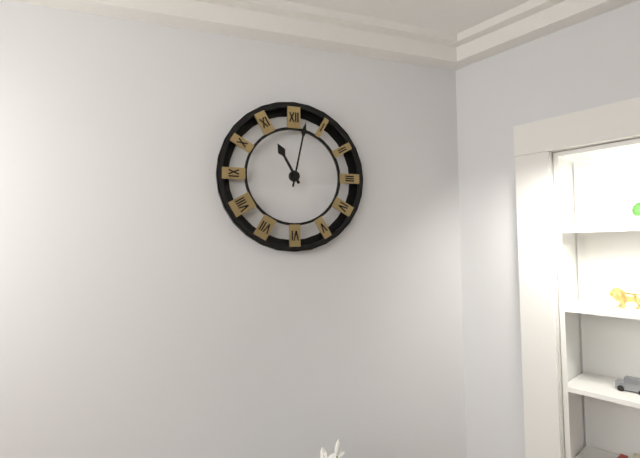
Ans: 11:02
